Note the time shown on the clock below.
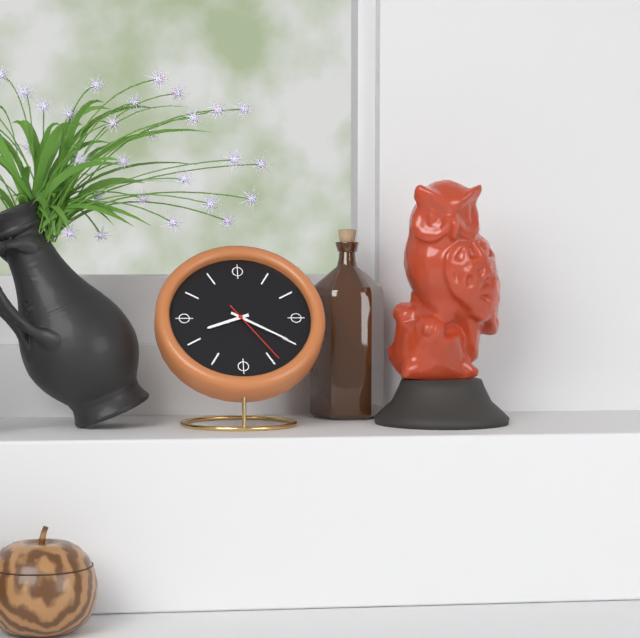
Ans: 8:20:24
